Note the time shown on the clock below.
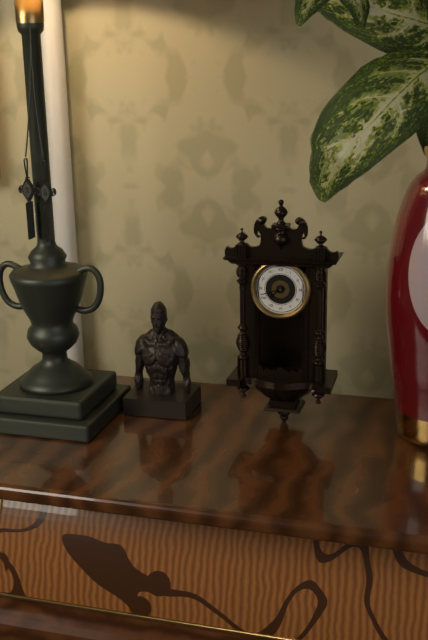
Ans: 7:42
